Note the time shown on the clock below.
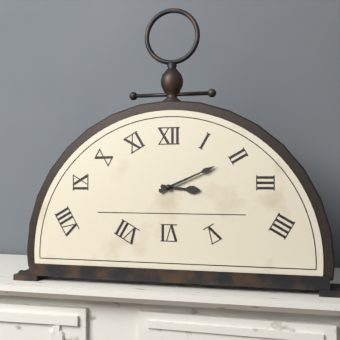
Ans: 3:11
